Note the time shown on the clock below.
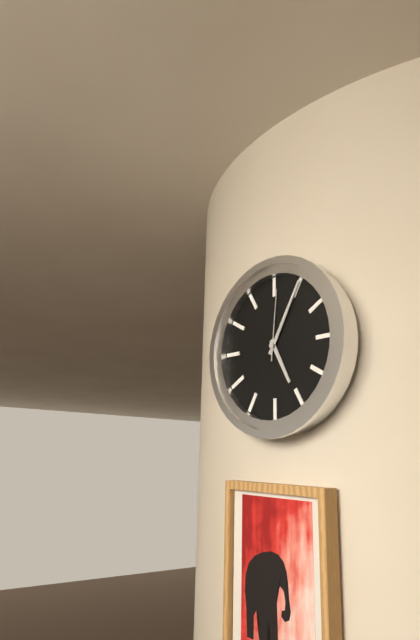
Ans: 5:05:01
